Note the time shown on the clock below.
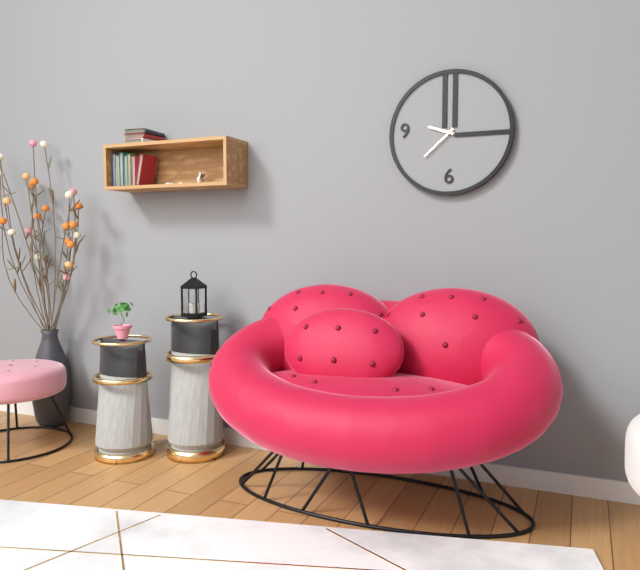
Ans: 9:38
